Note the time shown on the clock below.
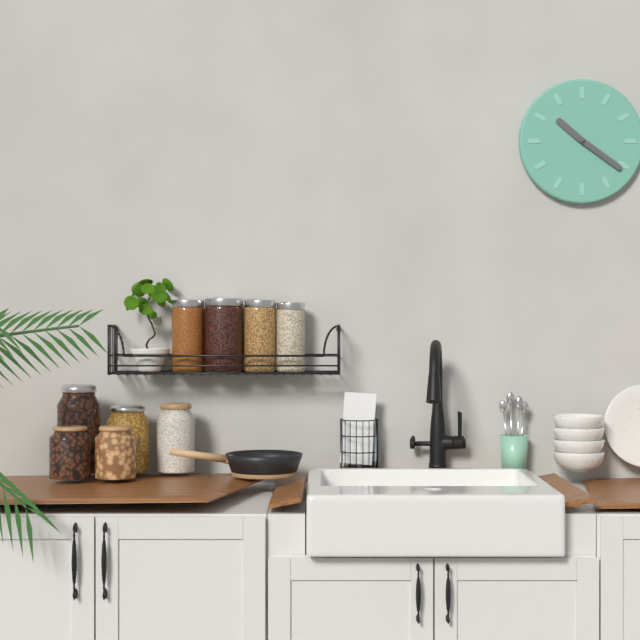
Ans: 10:21
